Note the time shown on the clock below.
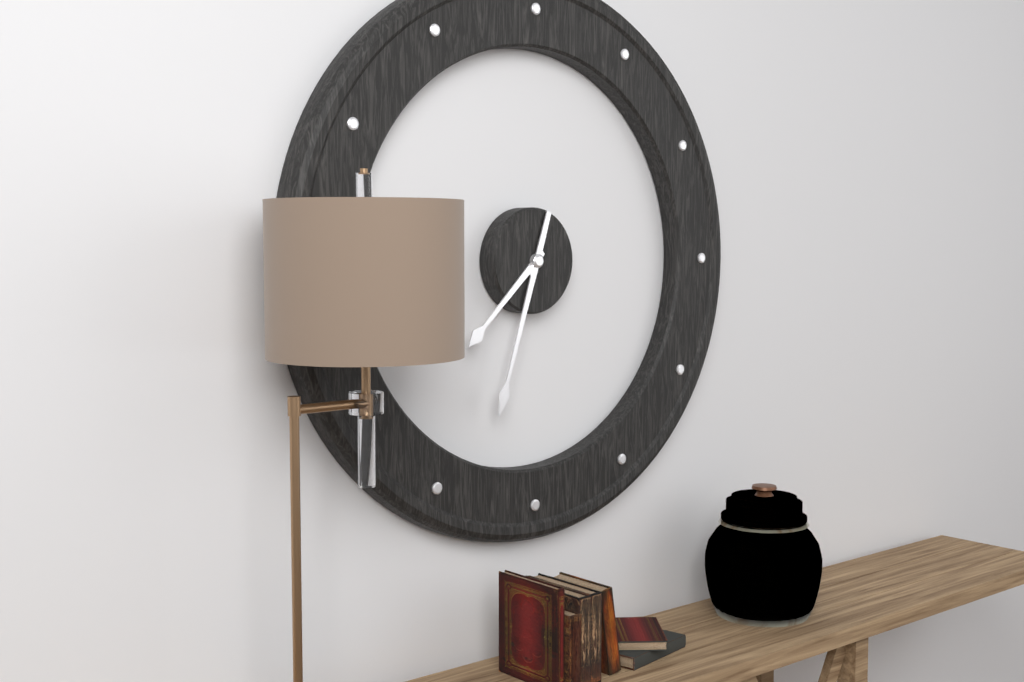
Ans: 7:33
